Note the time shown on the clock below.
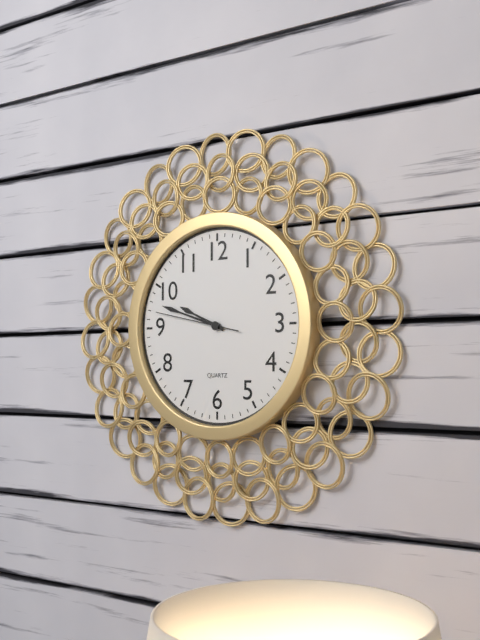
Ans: 9:48:47
